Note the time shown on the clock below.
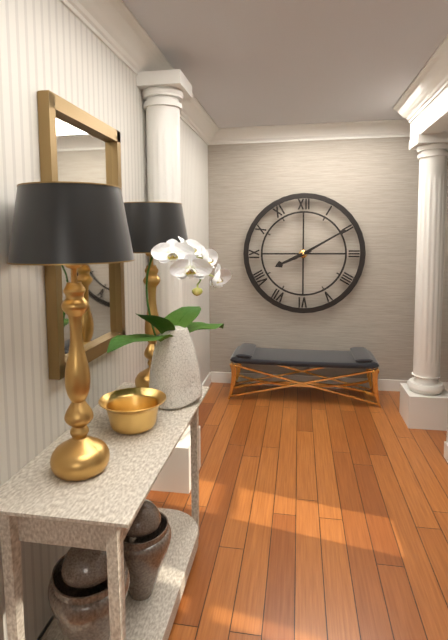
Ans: 8:10
